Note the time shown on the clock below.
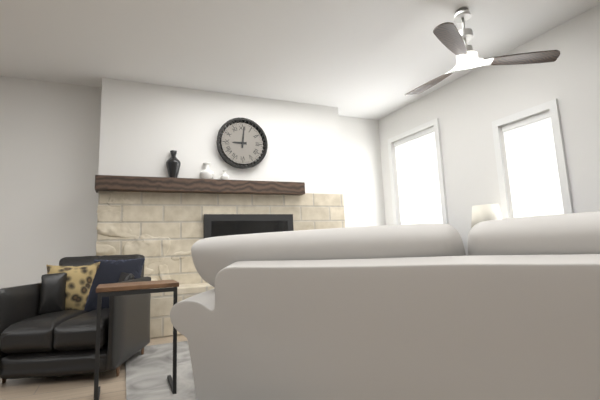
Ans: 9:01
